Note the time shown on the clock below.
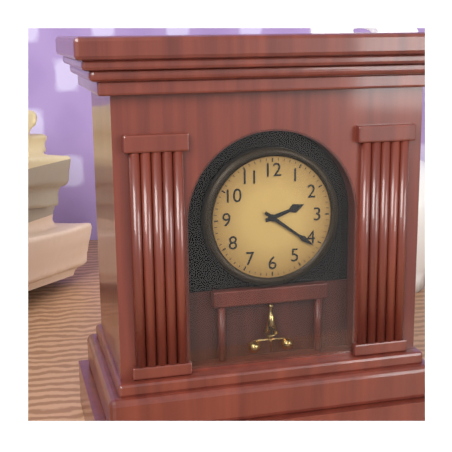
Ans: 2:21
